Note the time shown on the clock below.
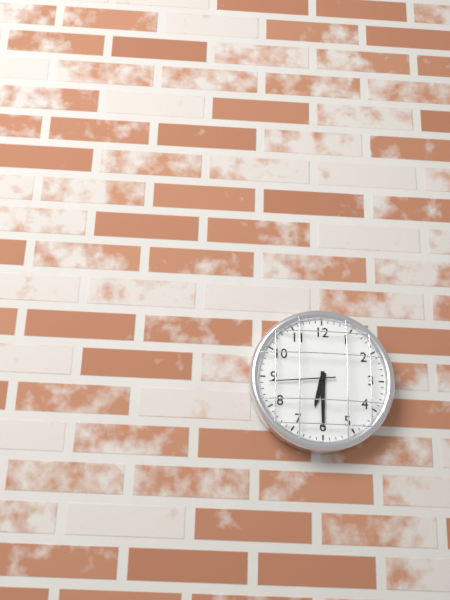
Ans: 6:30:44
